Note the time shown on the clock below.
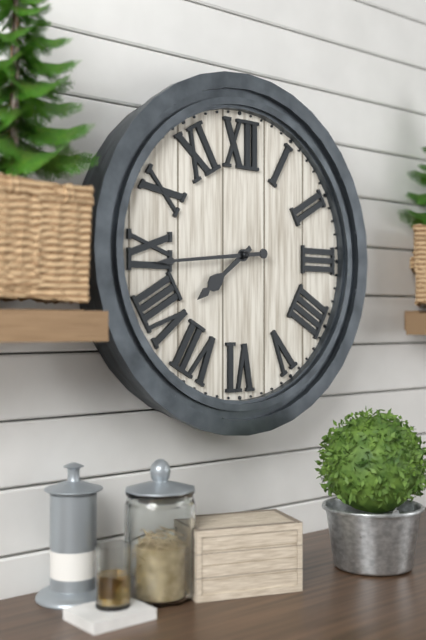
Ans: 7:44
